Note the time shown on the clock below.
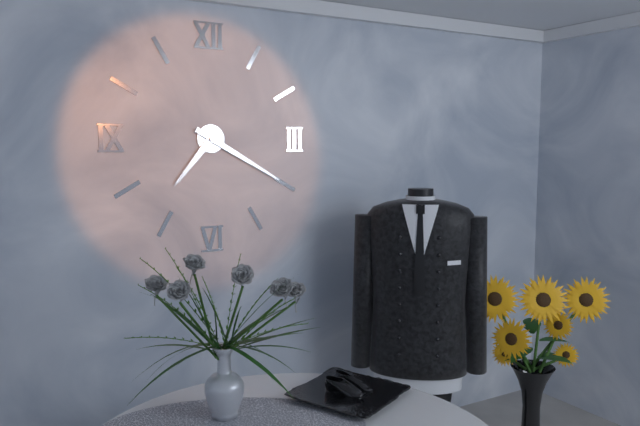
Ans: 7:20
